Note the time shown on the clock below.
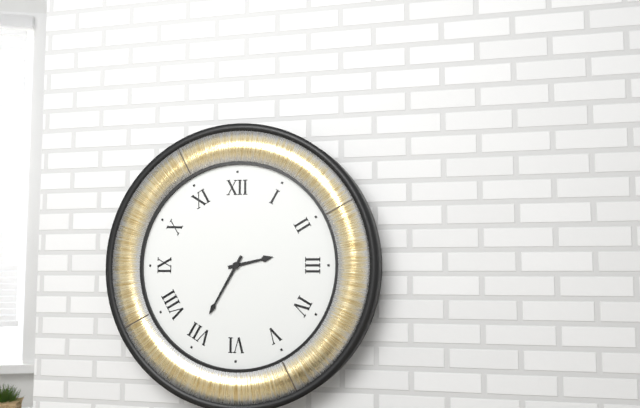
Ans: 2:35
